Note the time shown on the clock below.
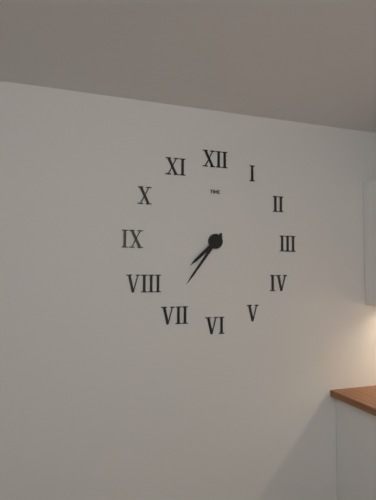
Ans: 7:36
